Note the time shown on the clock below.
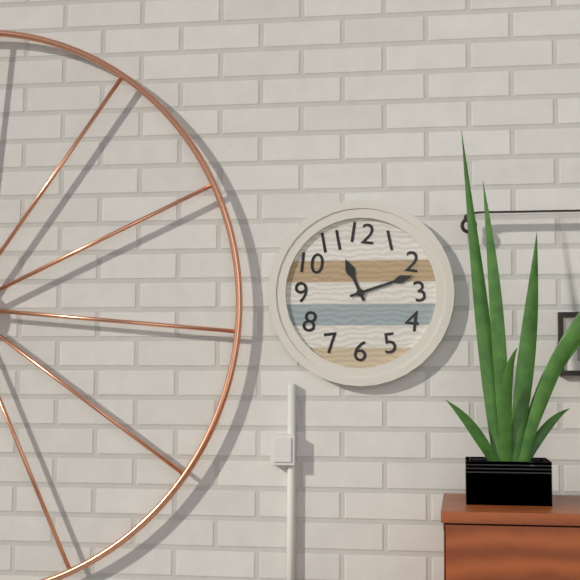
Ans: 11:12
